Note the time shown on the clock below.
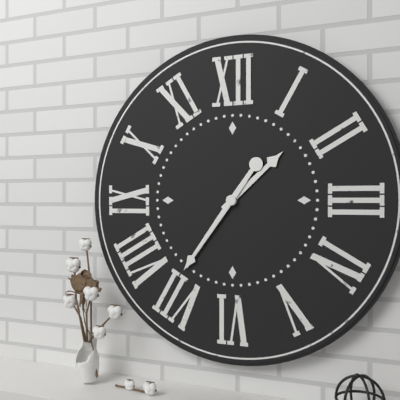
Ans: 1:36
